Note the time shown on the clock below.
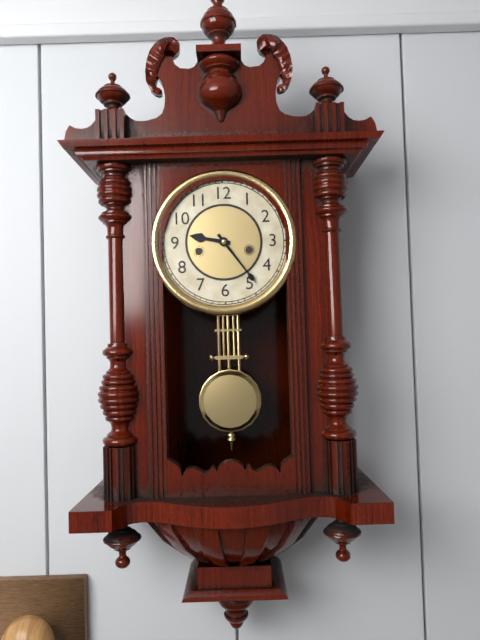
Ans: 9:24
